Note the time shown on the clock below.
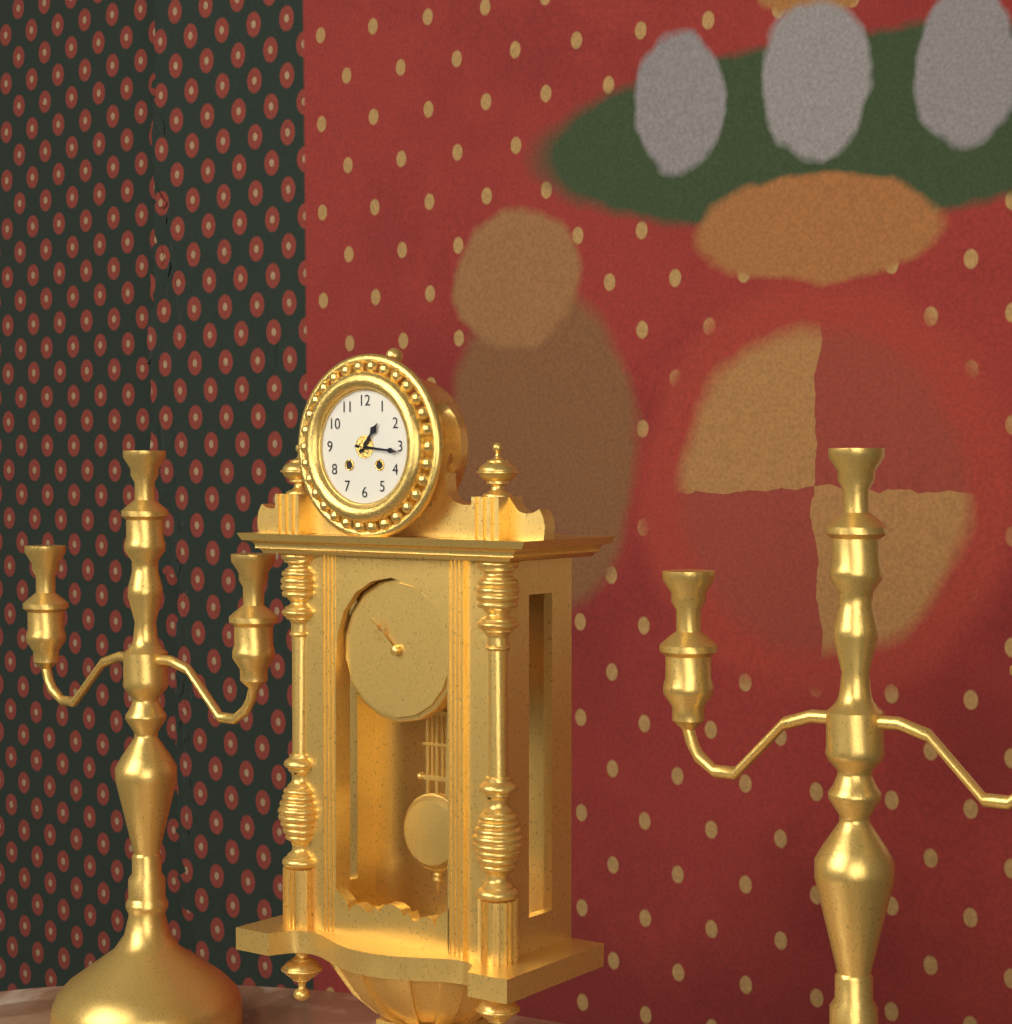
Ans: 1:16
